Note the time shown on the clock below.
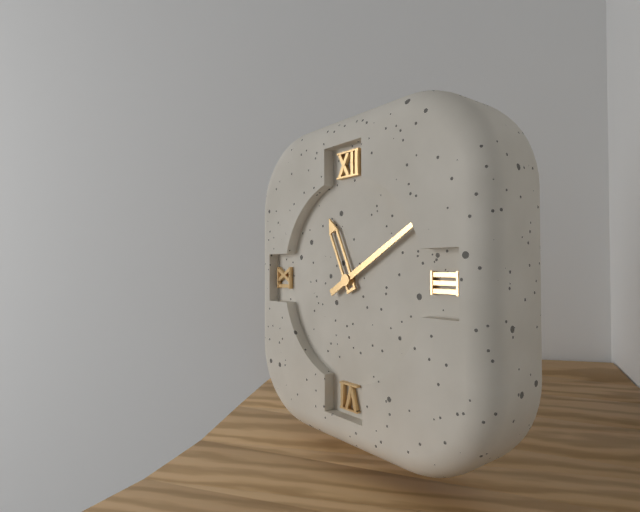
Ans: 11:10
